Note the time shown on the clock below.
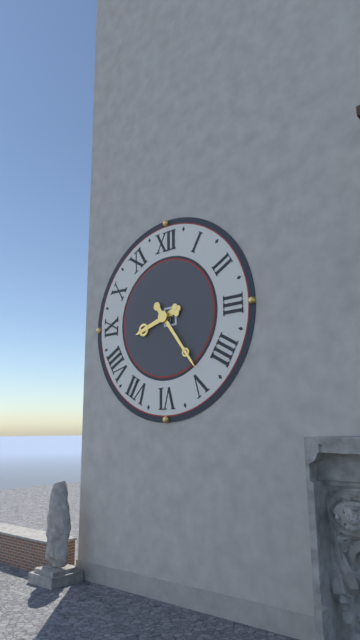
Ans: 8:24
